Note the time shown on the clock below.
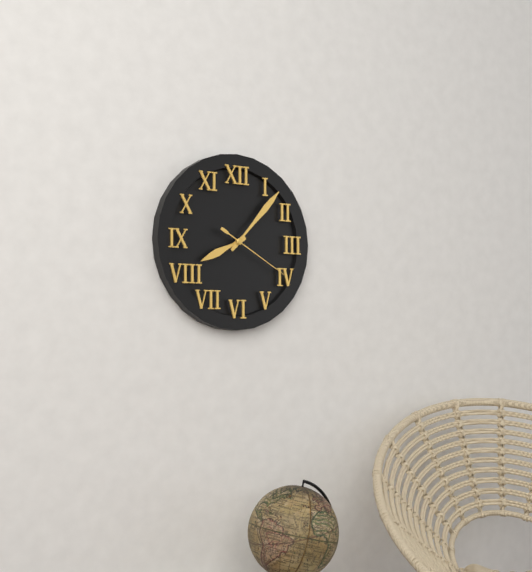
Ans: 8:07:20
